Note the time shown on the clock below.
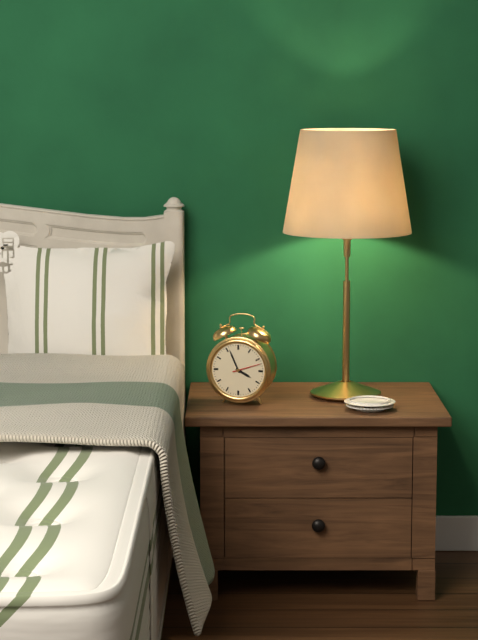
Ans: 3:56
